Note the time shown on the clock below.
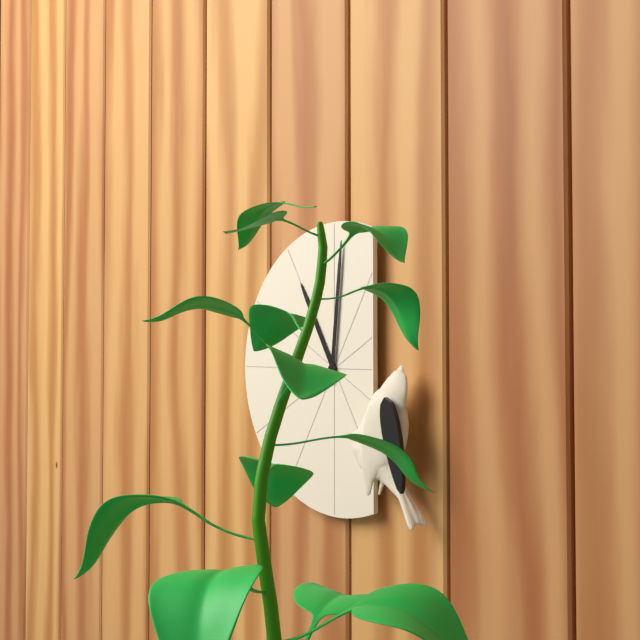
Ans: 11:01
